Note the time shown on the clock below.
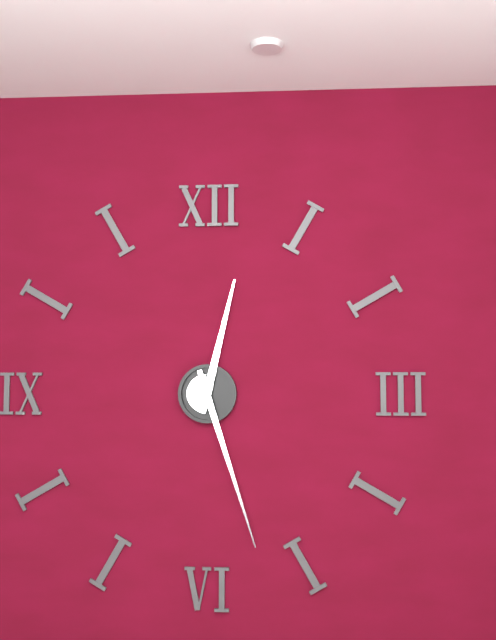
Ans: 12:27
